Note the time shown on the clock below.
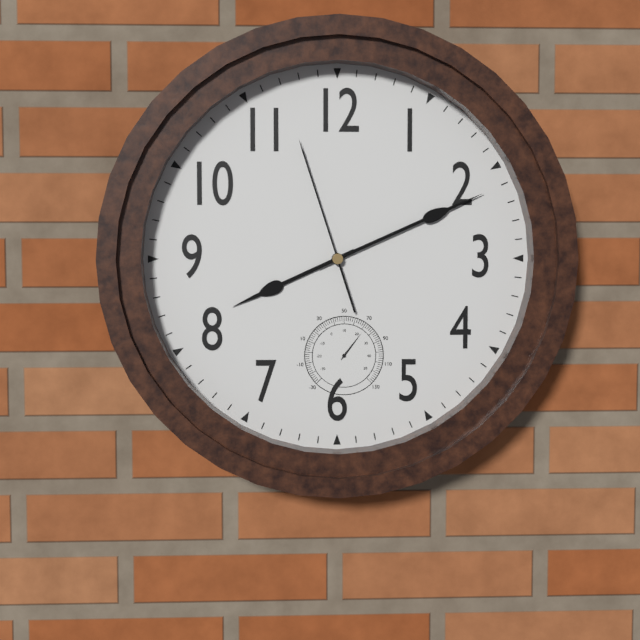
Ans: 8:11:57
